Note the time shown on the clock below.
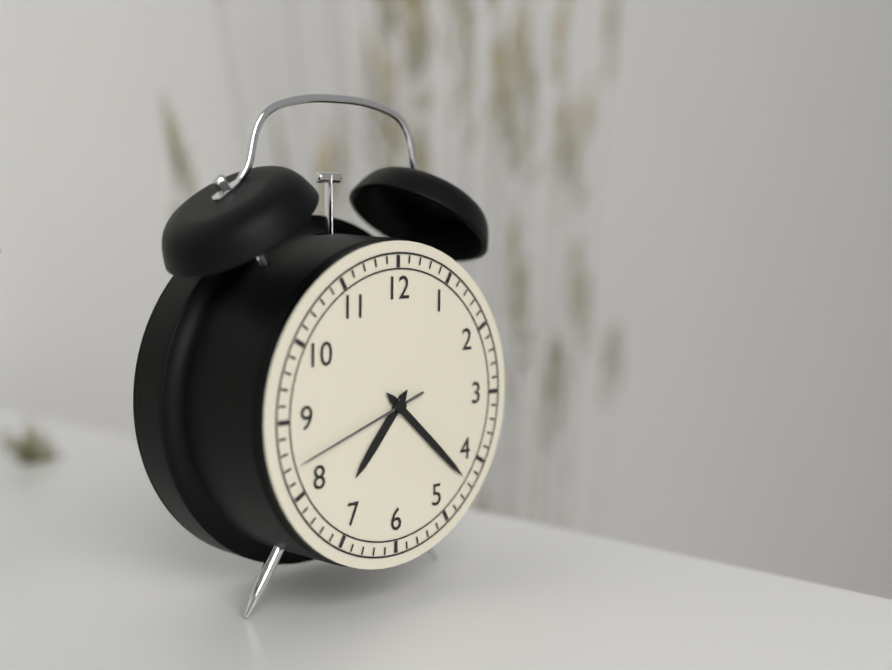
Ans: 7:22:42
